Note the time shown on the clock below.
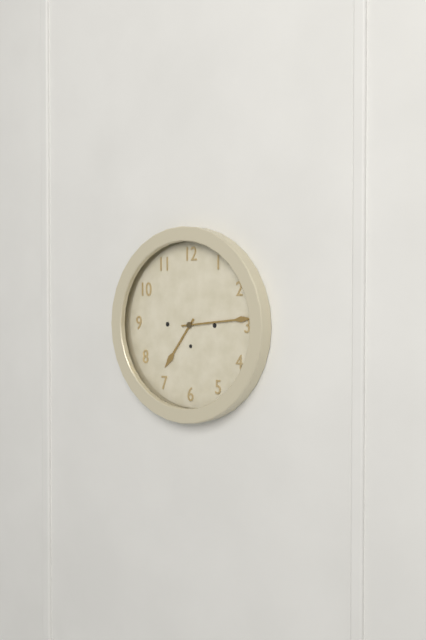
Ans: 7:14
